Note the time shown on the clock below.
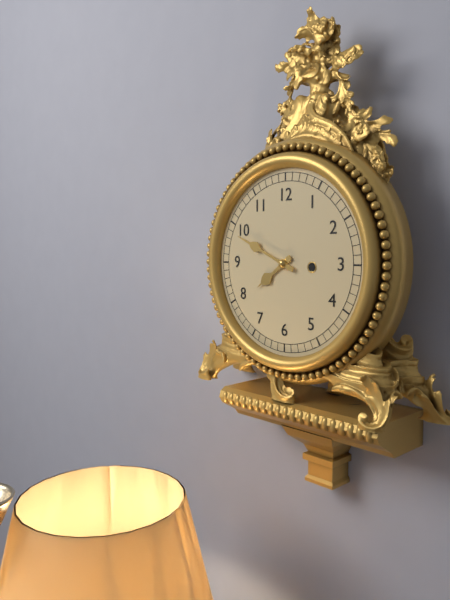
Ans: 7:49
